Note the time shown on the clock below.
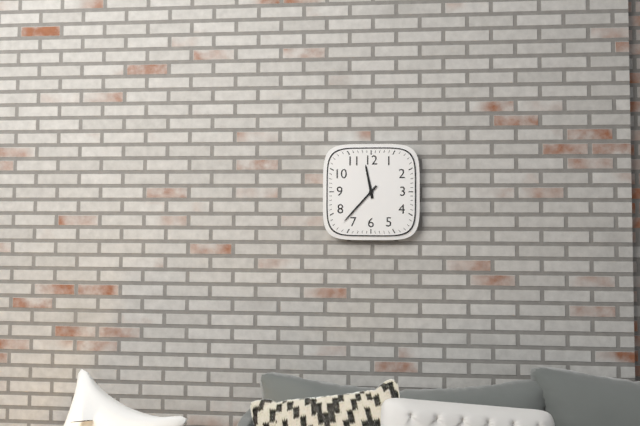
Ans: 11:37
